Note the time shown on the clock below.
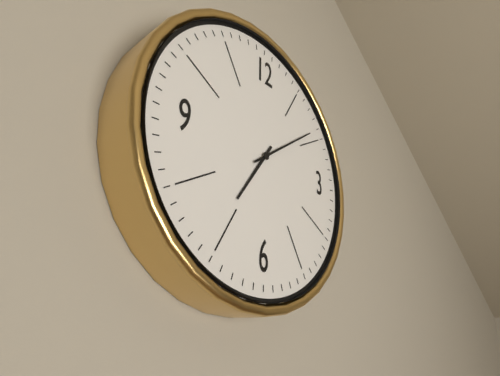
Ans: 7:09
